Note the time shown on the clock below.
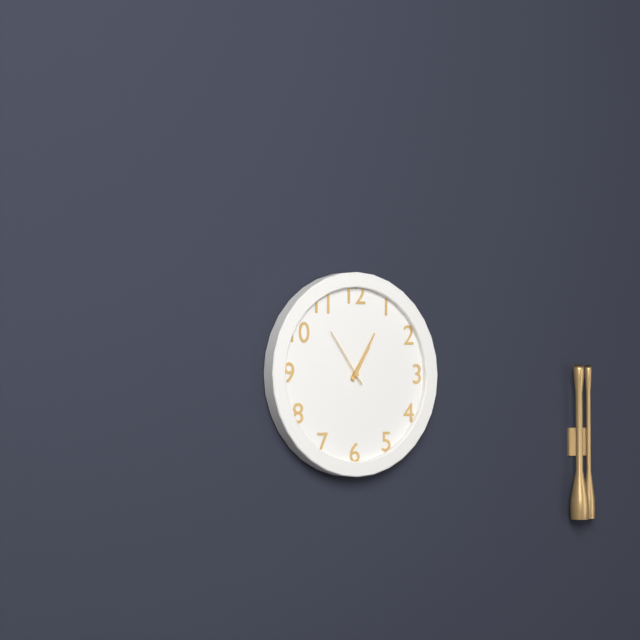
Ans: 1:05:54
